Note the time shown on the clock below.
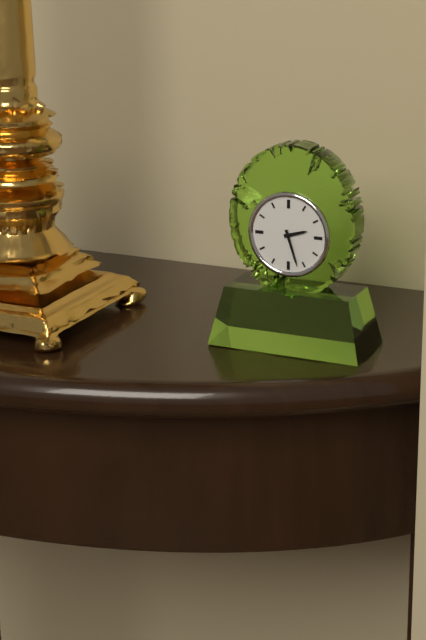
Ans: 2:27
